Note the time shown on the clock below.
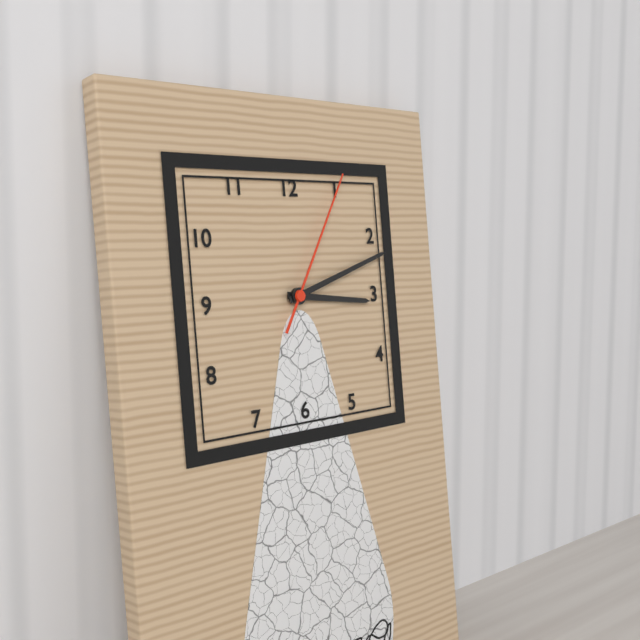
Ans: 3:12:05
